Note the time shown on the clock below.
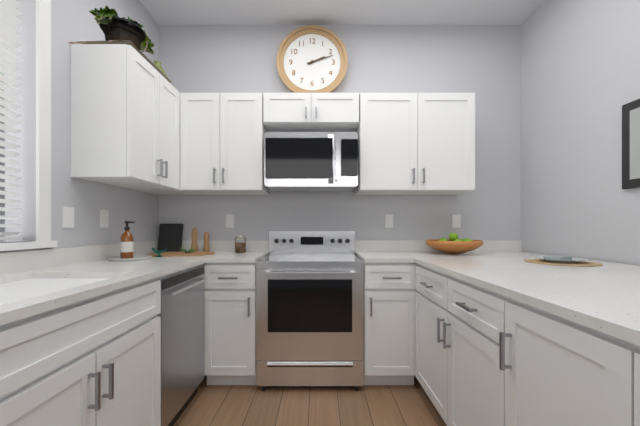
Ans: 2:12
